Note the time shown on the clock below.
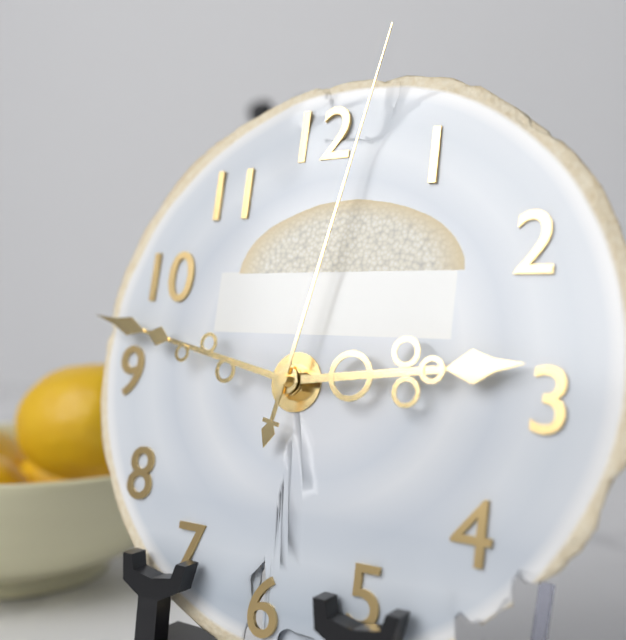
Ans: 2:47:02
